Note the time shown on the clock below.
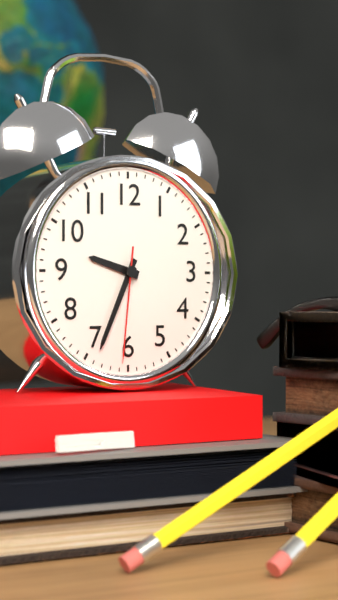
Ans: 9:34:31
